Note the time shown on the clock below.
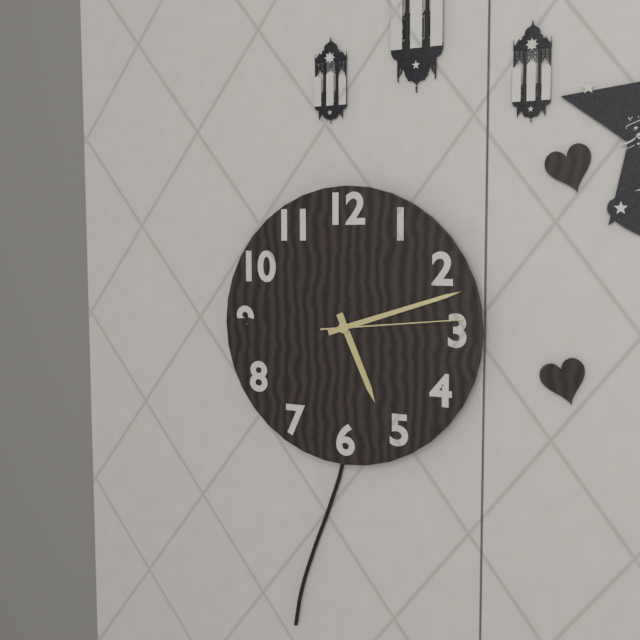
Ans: 5:12:14
